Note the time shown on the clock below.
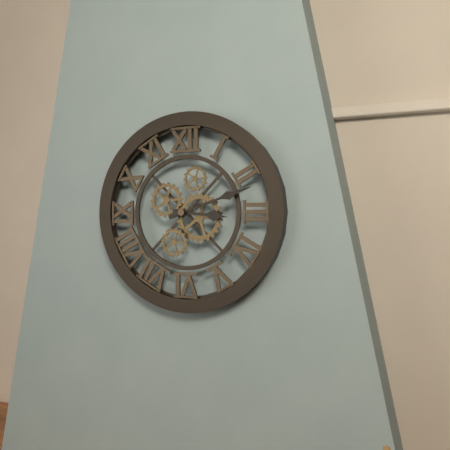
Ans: 3:12
